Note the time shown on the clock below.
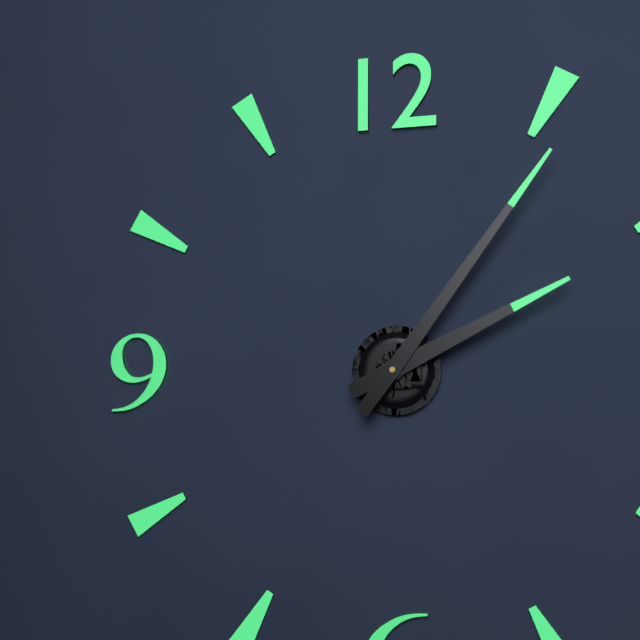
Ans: 2:06
